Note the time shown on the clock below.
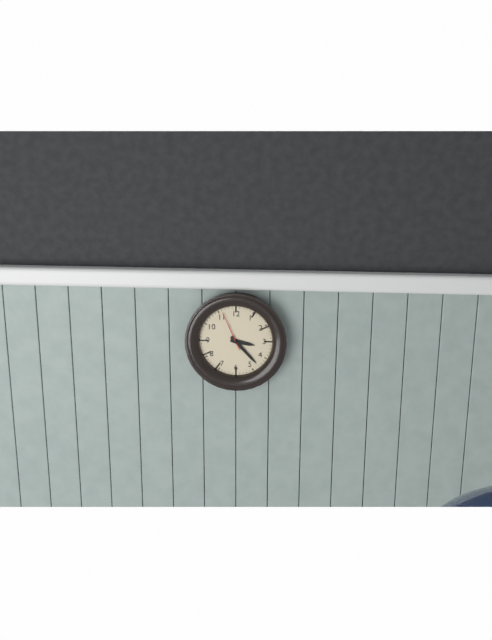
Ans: 3:23
